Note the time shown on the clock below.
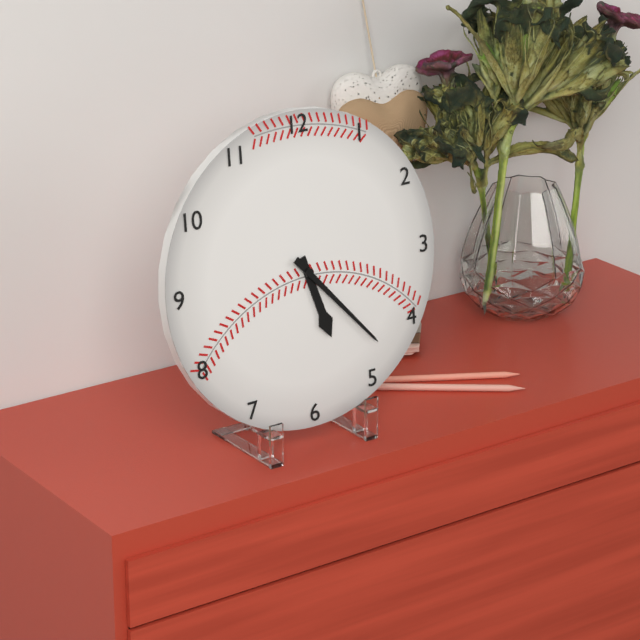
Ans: 5:23
